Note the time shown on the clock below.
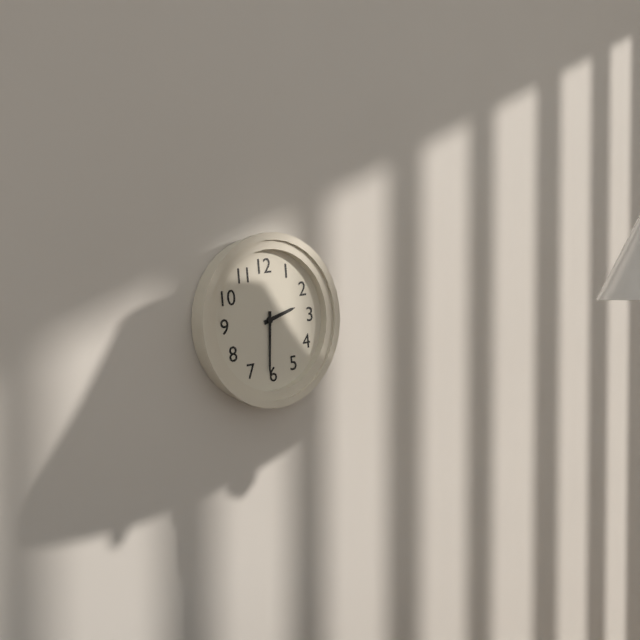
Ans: 2:31
